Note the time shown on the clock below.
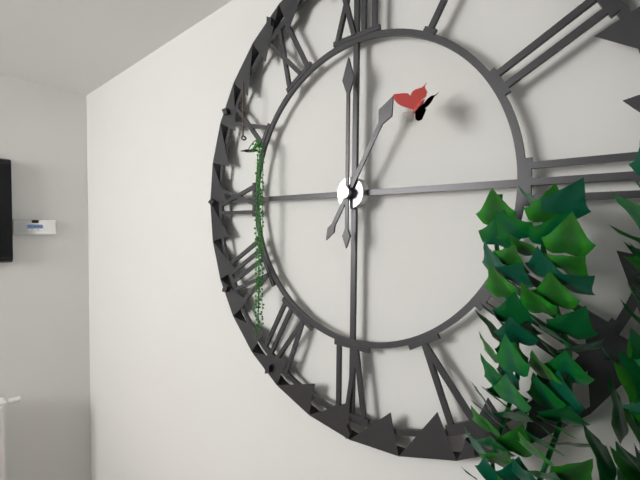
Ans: 1:00
